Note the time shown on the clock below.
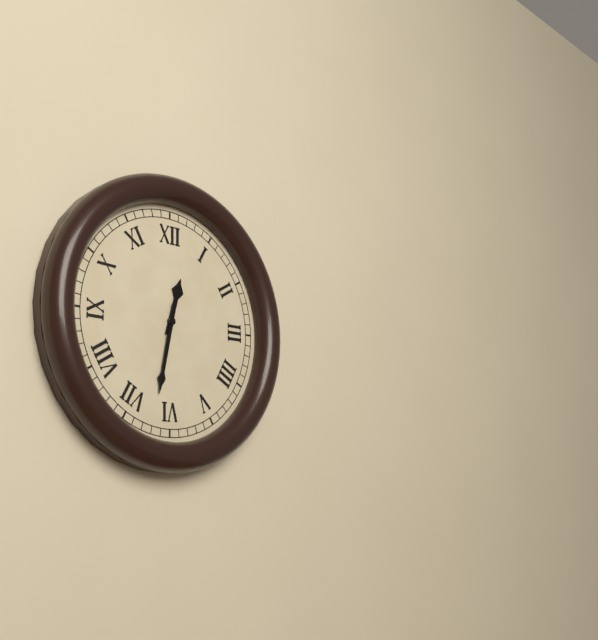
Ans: 12:32
